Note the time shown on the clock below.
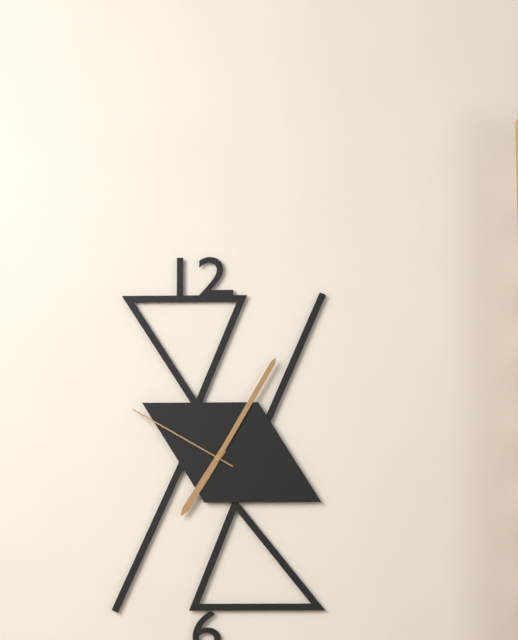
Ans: 7:05:50
